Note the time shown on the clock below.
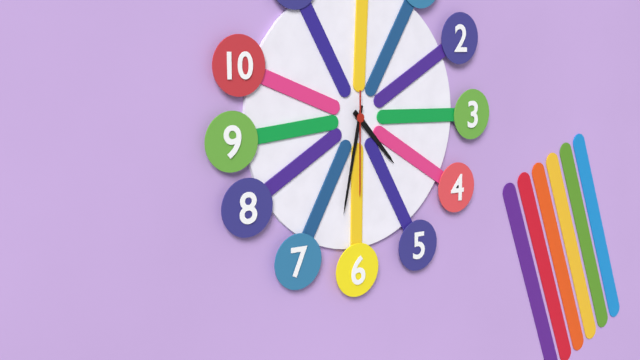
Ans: 4:32:30
